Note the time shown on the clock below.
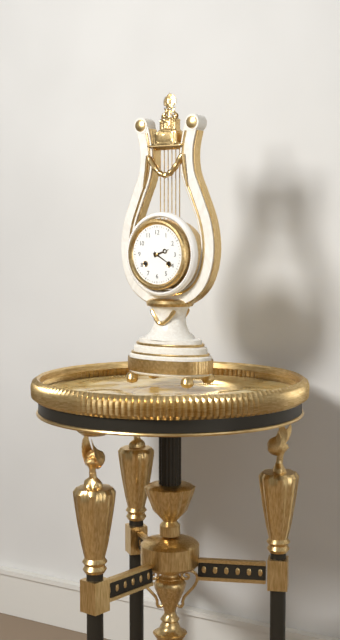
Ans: 2:20
